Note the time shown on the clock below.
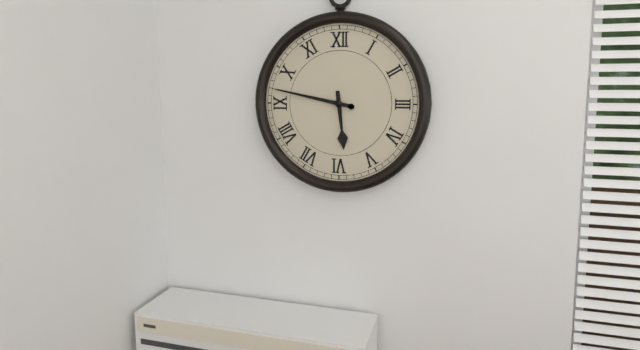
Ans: 5:47
